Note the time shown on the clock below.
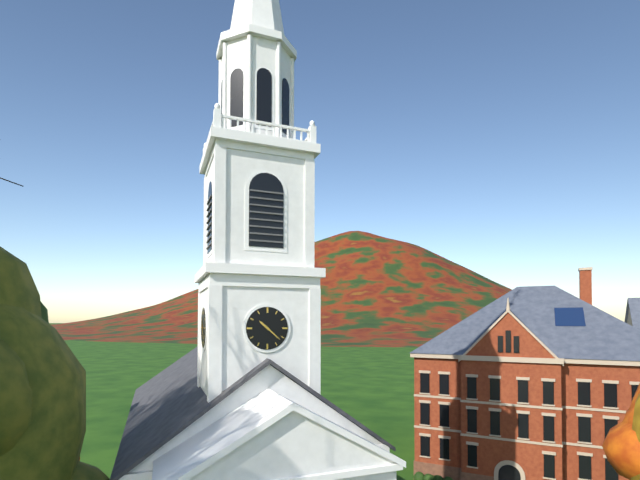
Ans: 10:22
